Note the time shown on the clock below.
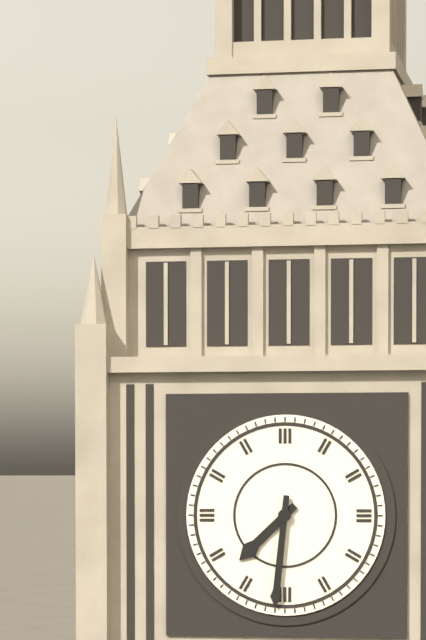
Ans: 7:31
